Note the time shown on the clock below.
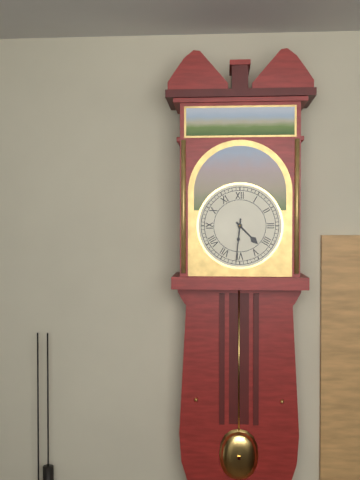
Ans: 4:31
